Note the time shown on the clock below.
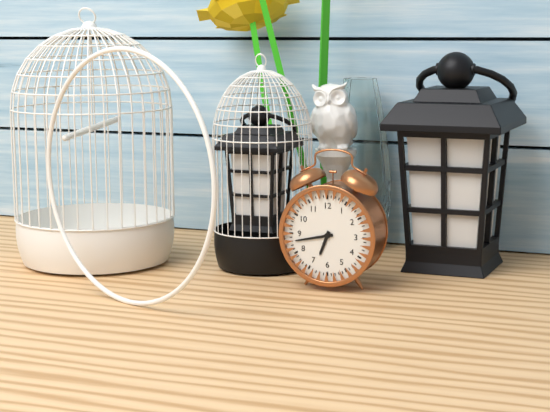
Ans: 6:43
